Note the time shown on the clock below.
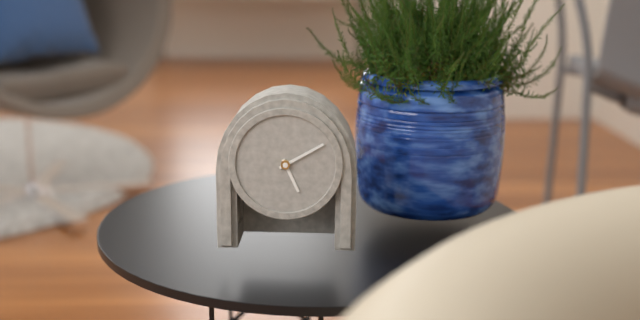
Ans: 5:10
